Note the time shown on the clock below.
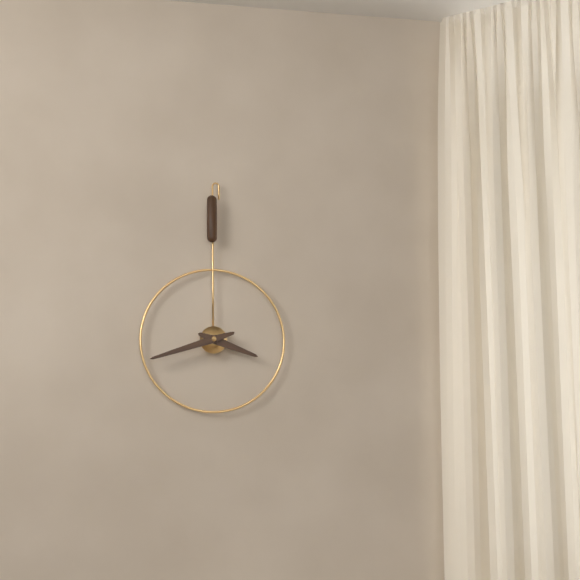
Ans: 3:42
